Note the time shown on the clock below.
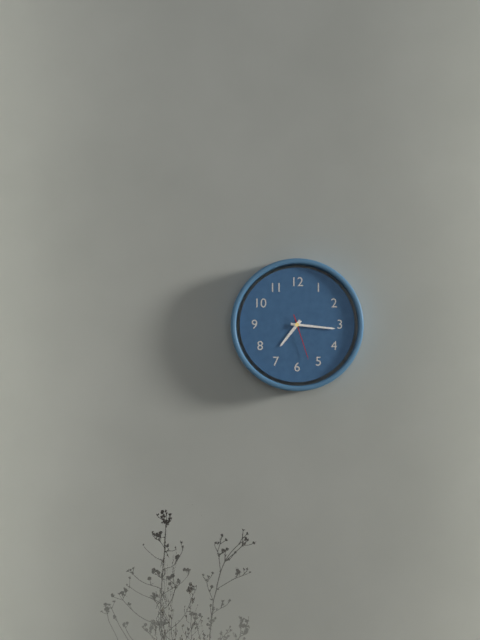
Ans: 7:16
